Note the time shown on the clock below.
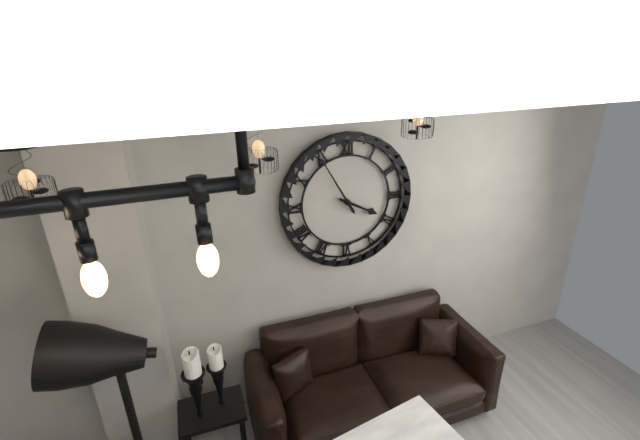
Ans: 3:55
